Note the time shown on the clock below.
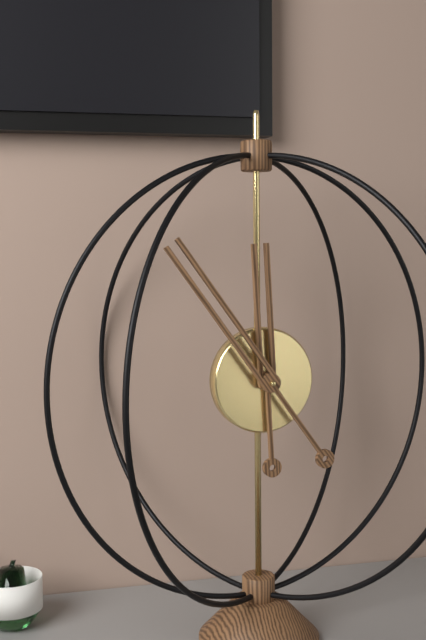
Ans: 11:54
